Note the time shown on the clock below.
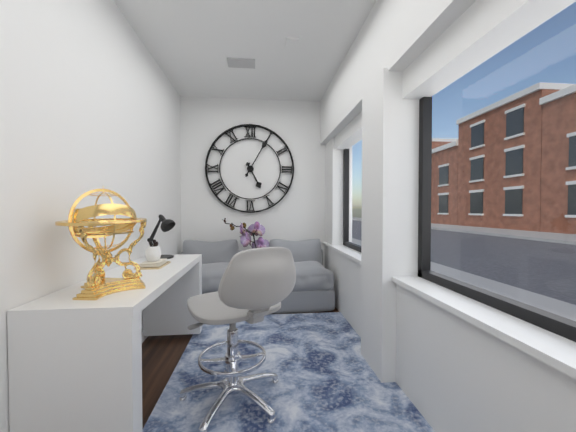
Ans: 5:05
